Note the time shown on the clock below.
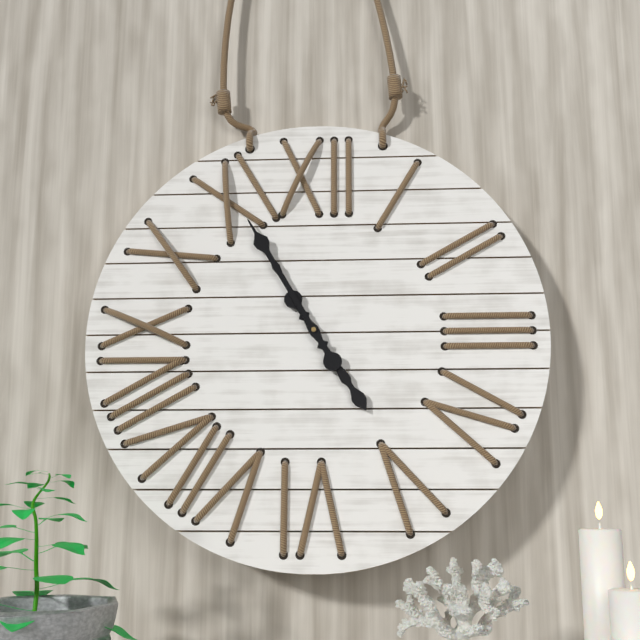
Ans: 4:55
